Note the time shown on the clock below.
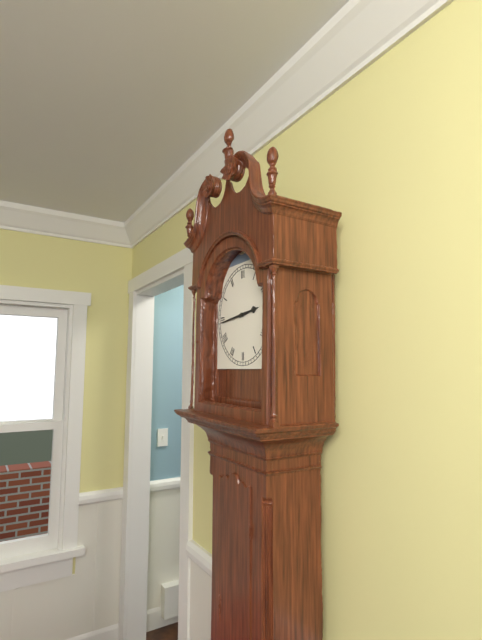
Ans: 2:44
